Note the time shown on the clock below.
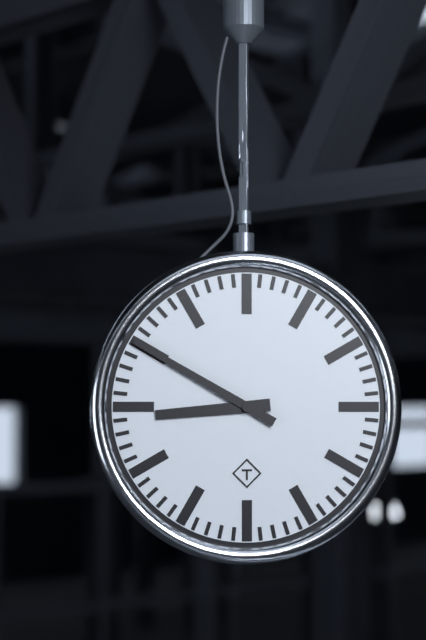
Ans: 8:50
